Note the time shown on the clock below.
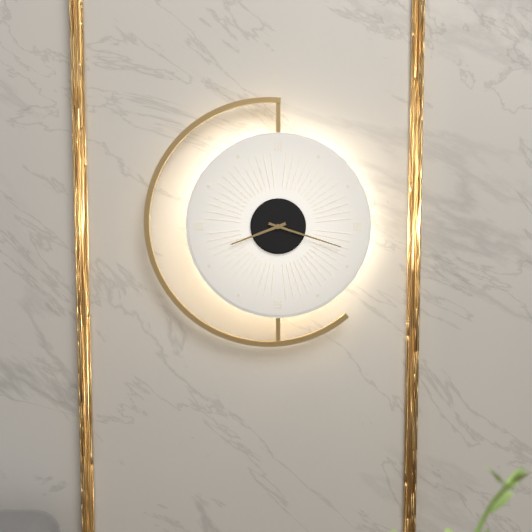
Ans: 8:18
